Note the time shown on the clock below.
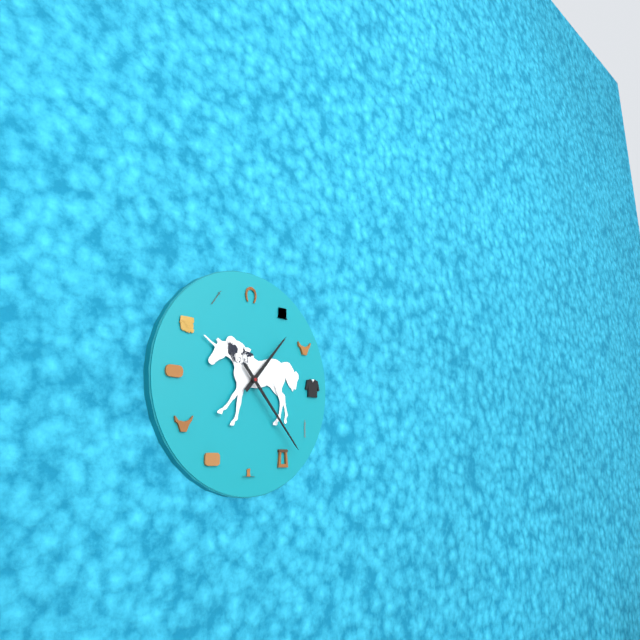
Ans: 1:23
